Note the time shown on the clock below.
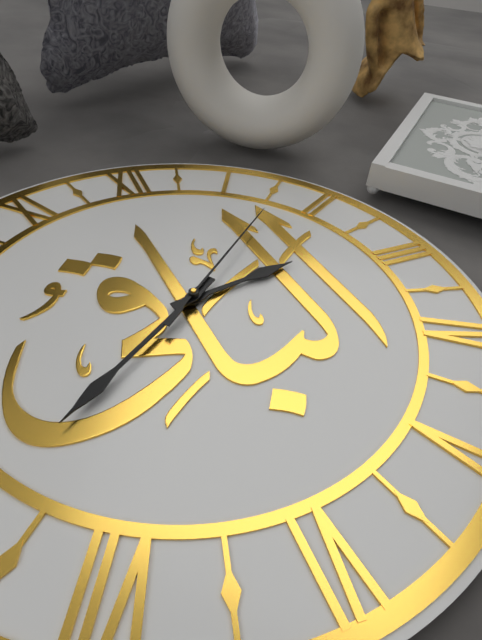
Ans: 2:39:08
